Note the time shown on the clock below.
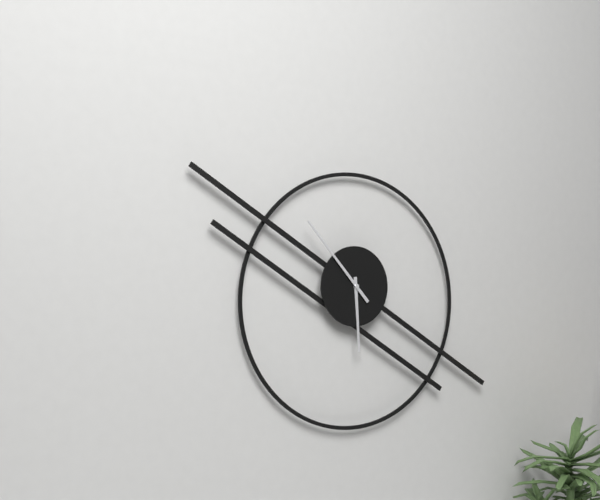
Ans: 5:53
